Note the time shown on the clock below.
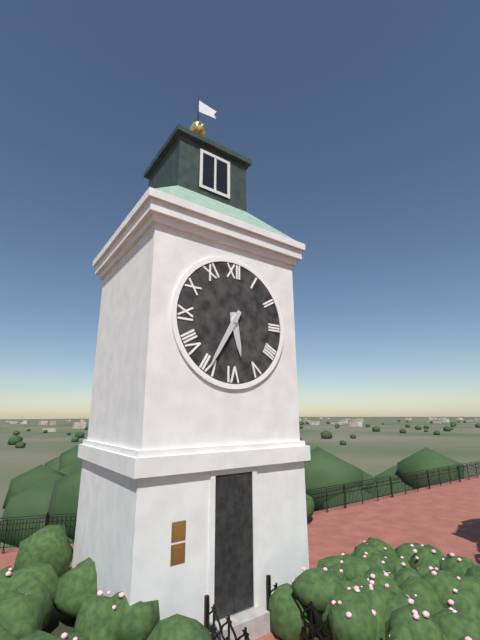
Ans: 5:35
